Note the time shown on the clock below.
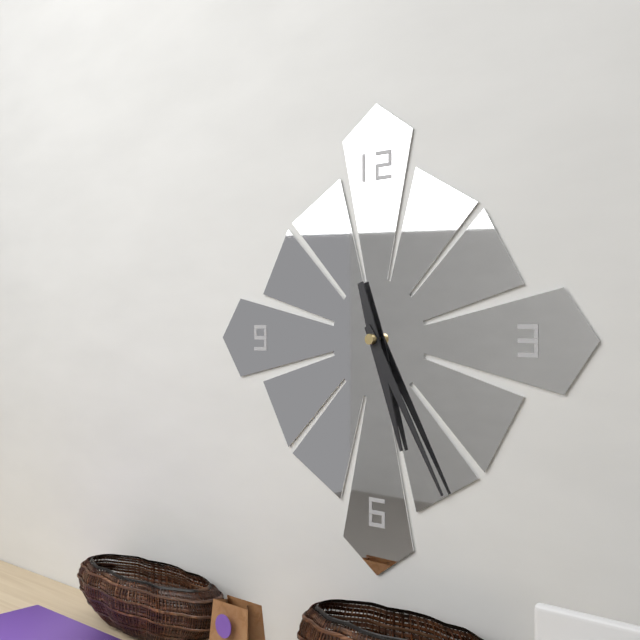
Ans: 5:25
